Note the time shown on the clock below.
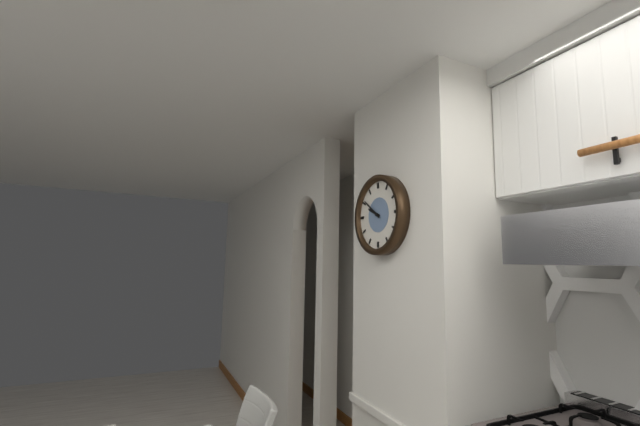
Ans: 9:51
